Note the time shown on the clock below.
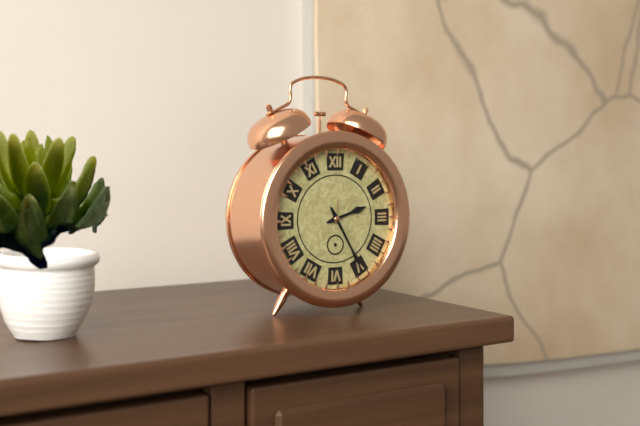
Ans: 2:25
